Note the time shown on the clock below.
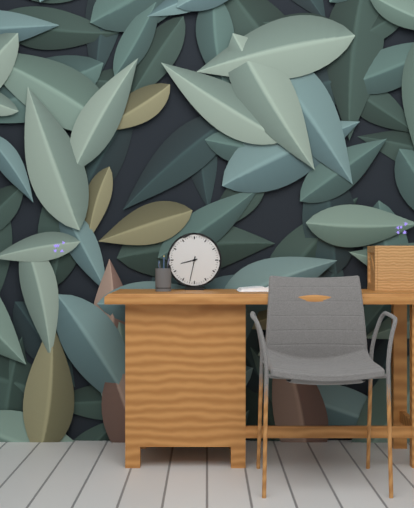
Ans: 8:32
